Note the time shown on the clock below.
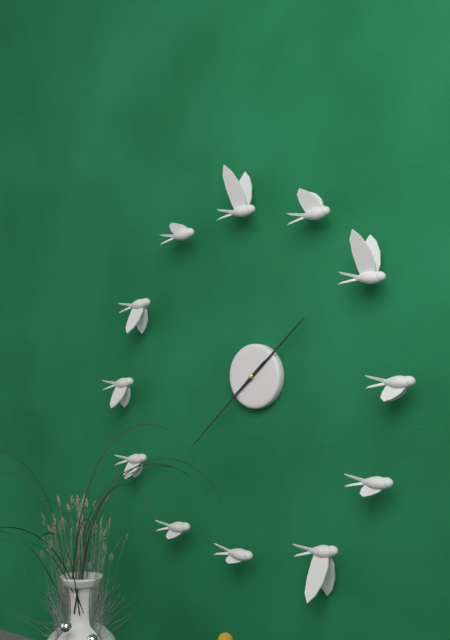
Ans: 1:38
